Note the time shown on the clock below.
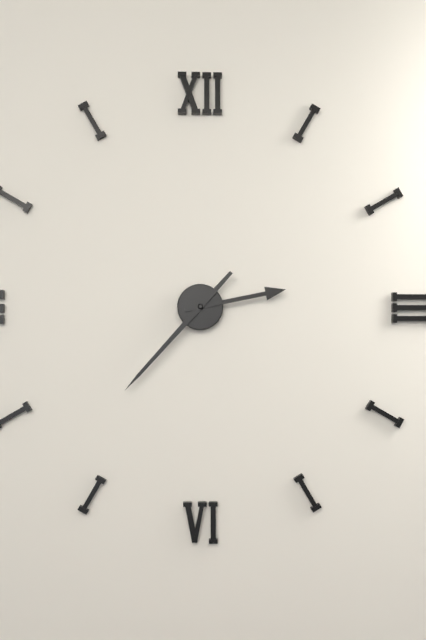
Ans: 2:37
